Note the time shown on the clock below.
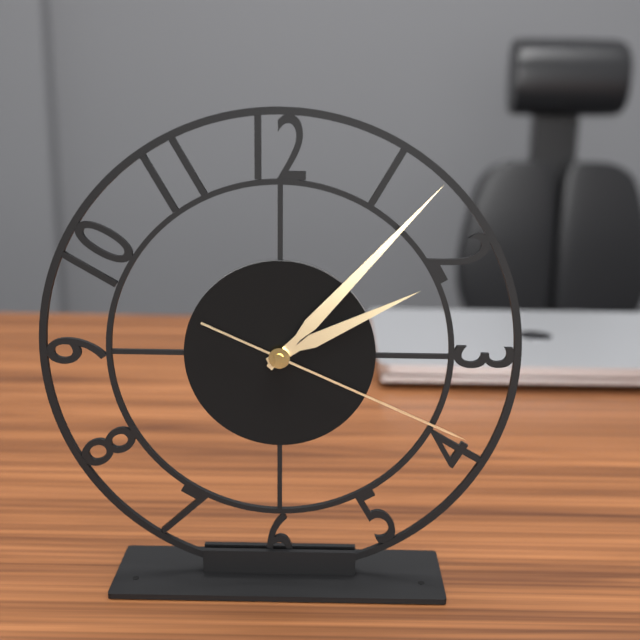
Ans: 2:07:19
